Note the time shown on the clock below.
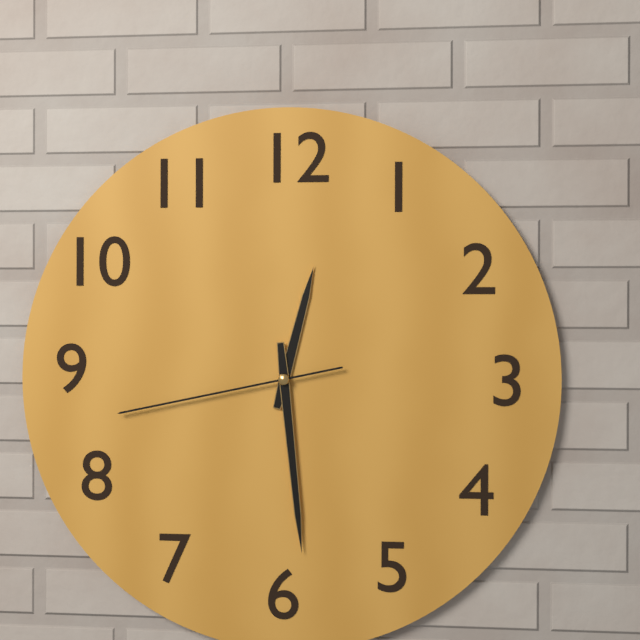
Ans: 12:29:43
